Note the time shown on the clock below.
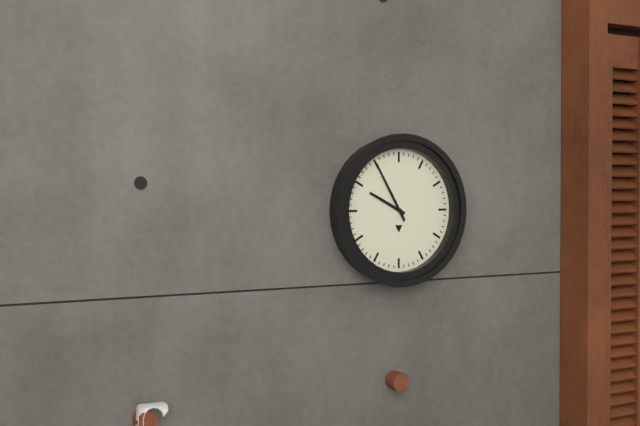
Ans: 9:55
